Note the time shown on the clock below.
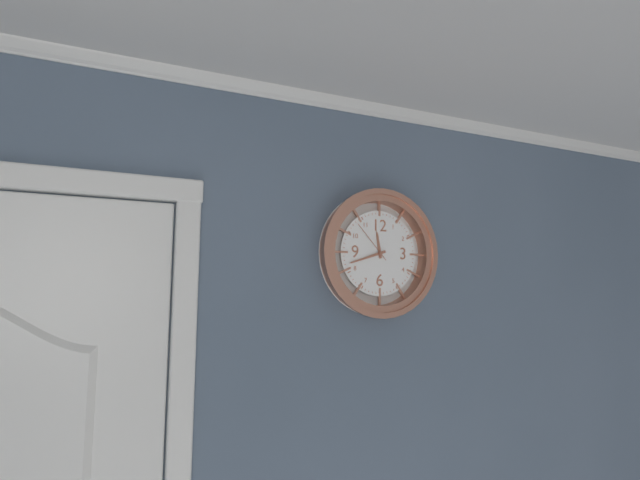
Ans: 11:42
